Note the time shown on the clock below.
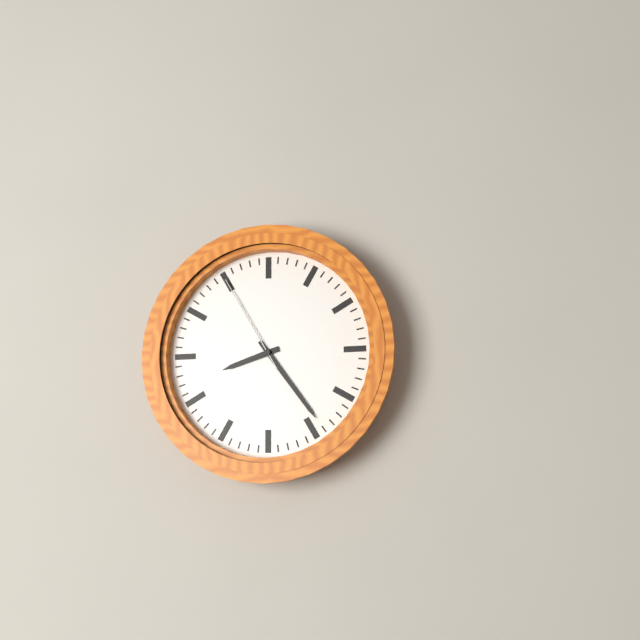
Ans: 8:24:55
